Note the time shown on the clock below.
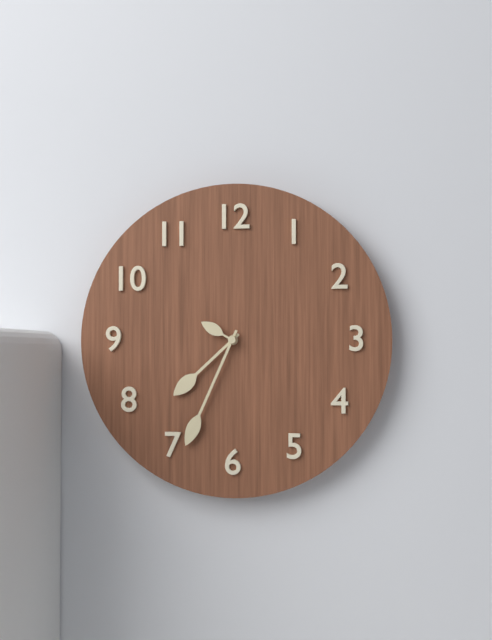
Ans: 7:34
